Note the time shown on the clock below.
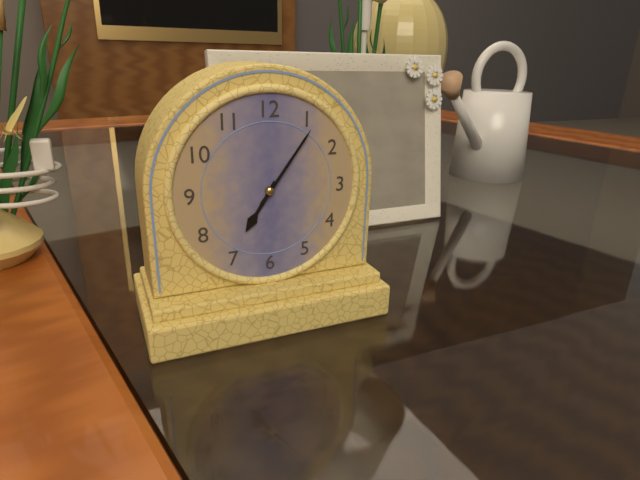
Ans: 7:06
